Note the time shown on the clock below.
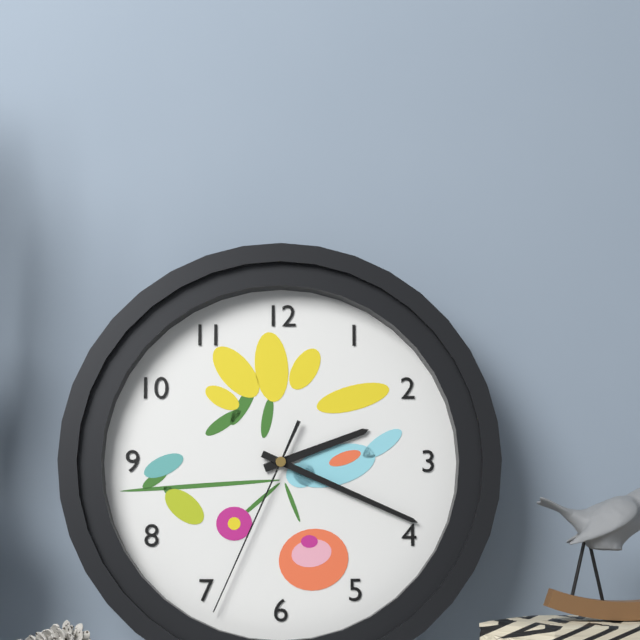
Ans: 2:19:34
